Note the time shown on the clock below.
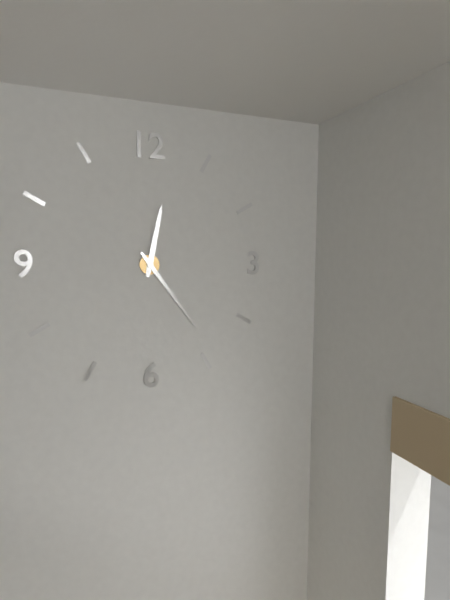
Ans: 12:24
